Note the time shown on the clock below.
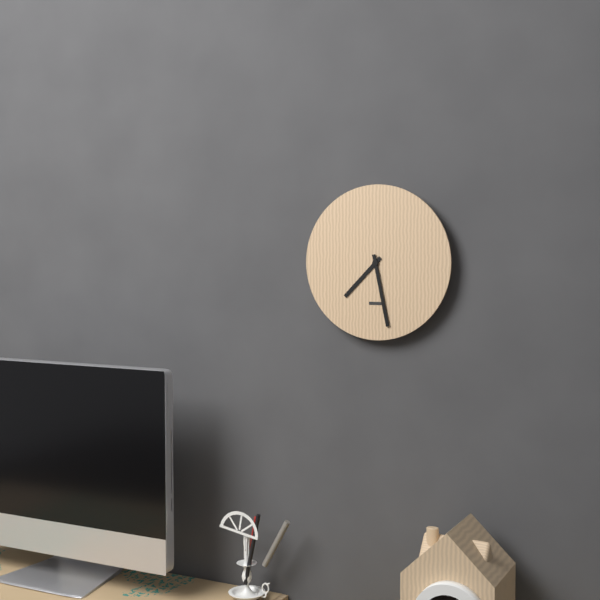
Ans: 7:28
